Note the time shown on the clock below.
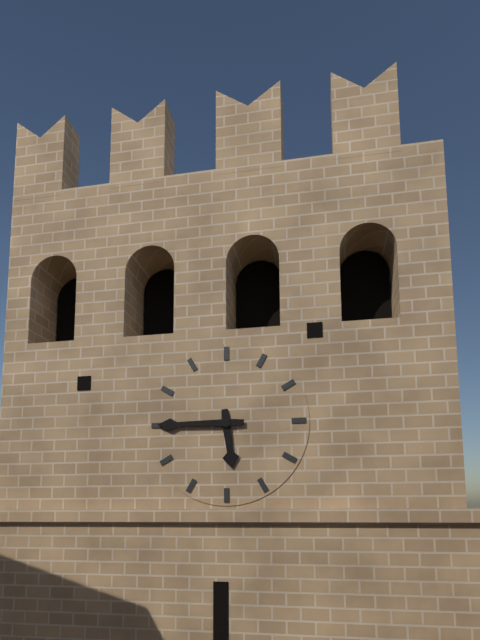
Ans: 5:45
